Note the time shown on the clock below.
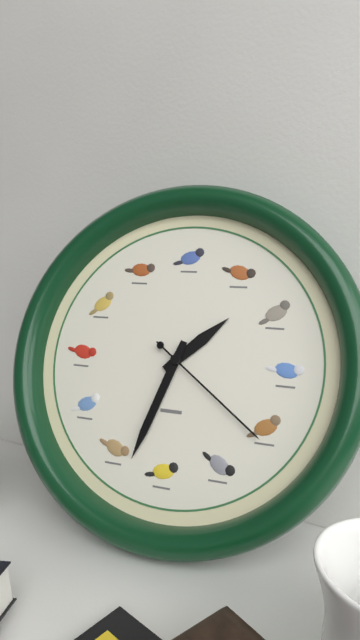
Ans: 1:33:21
